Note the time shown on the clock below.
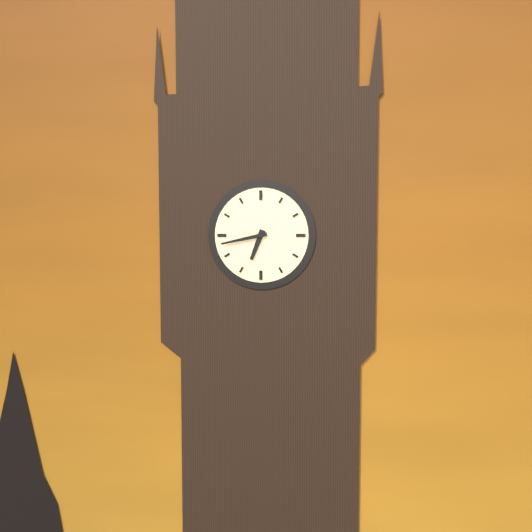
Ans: 6:43
